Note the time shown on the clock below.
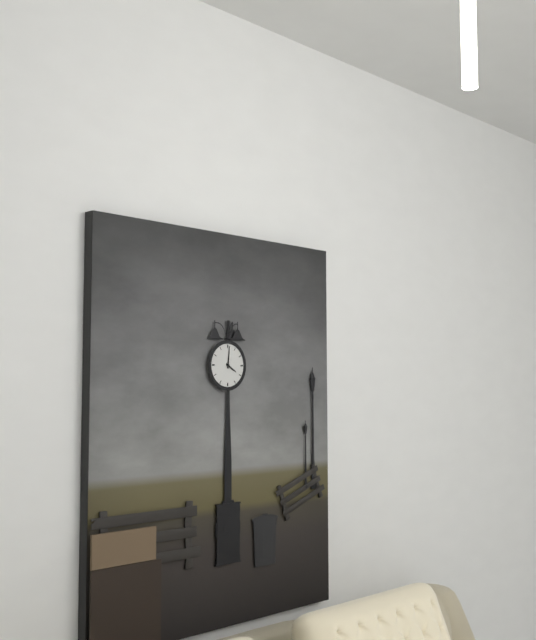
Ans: 4:01
